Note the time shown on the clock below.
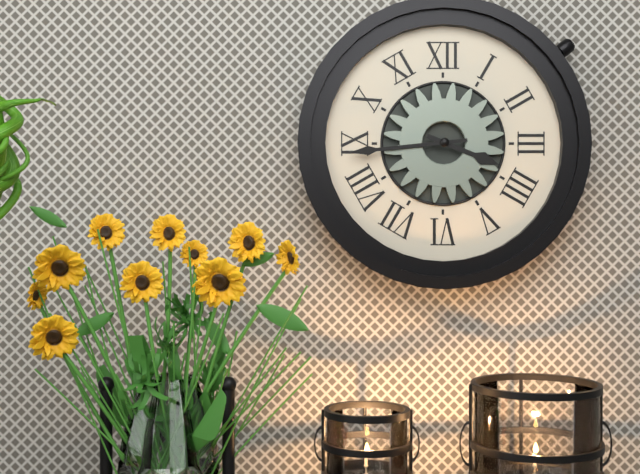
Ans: 3:44
